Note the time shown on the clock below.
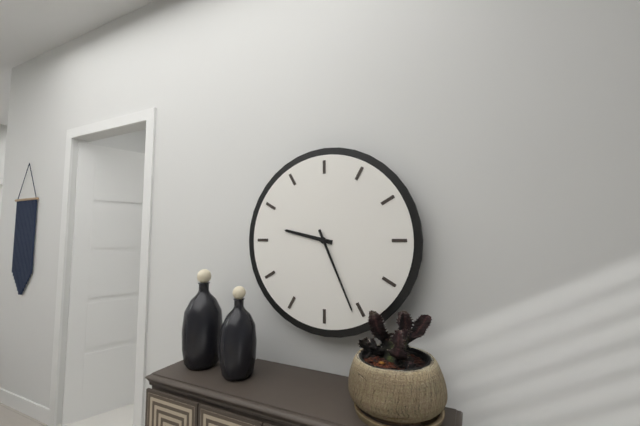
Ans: 9:26
